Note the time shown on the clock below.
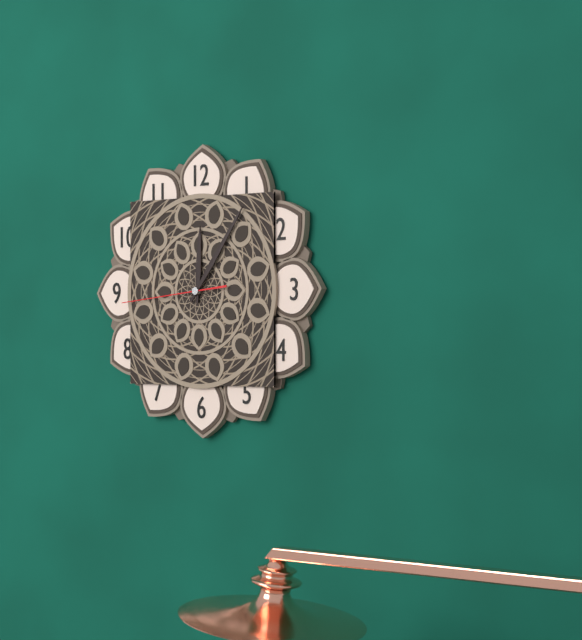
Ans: 12:06:44
